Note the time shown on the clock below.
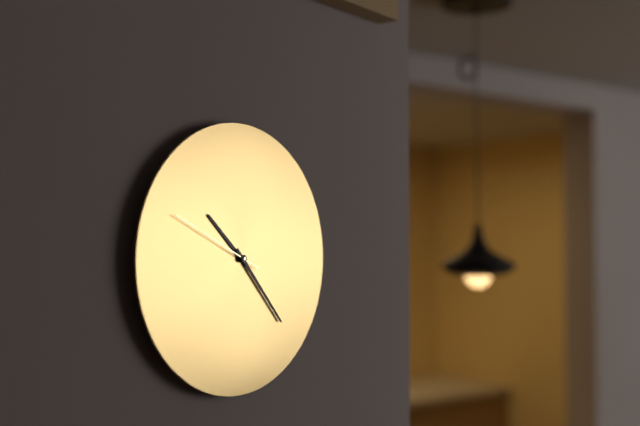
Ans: 10:23:49
